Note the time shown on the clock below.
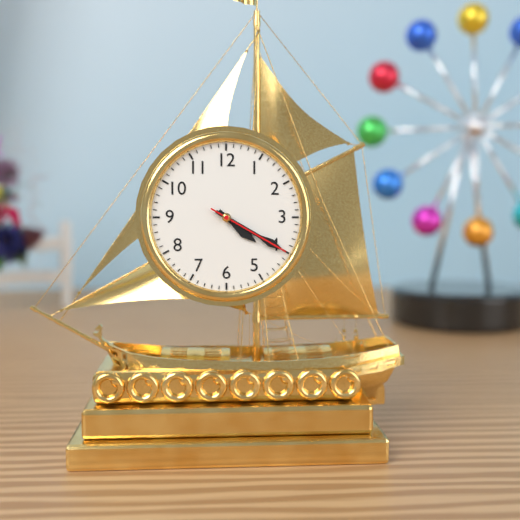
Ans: 4:20:20
